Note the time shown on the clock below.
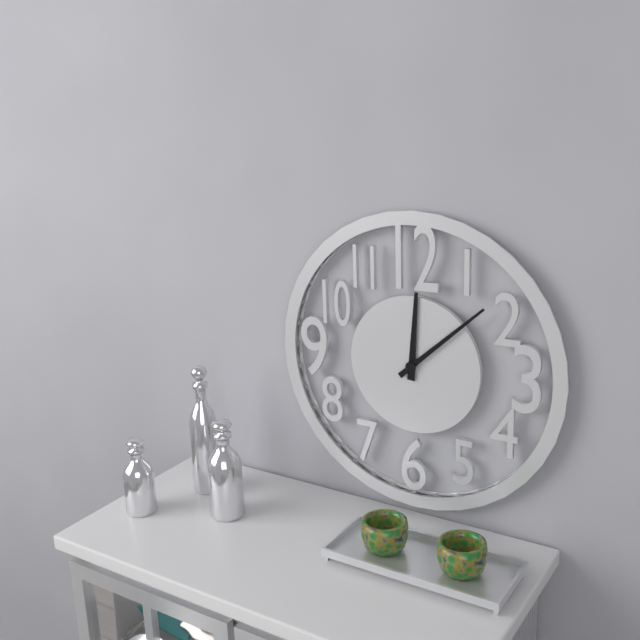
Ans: 12:08
